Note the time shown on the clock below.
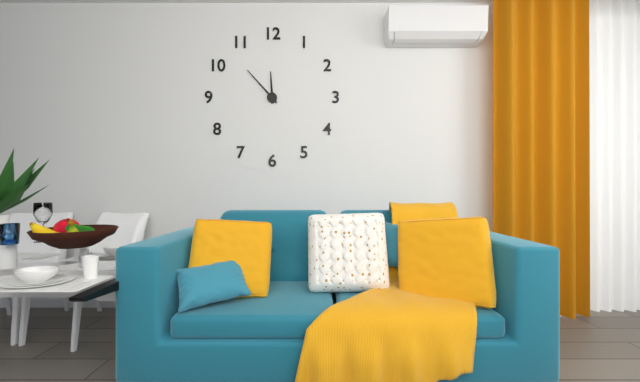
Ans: 11:53
